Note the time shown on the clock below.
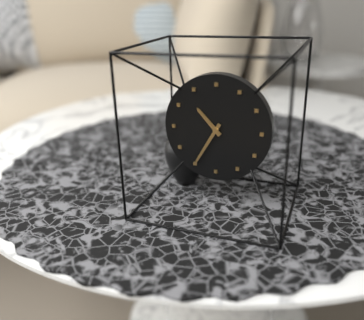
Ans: 10:35
